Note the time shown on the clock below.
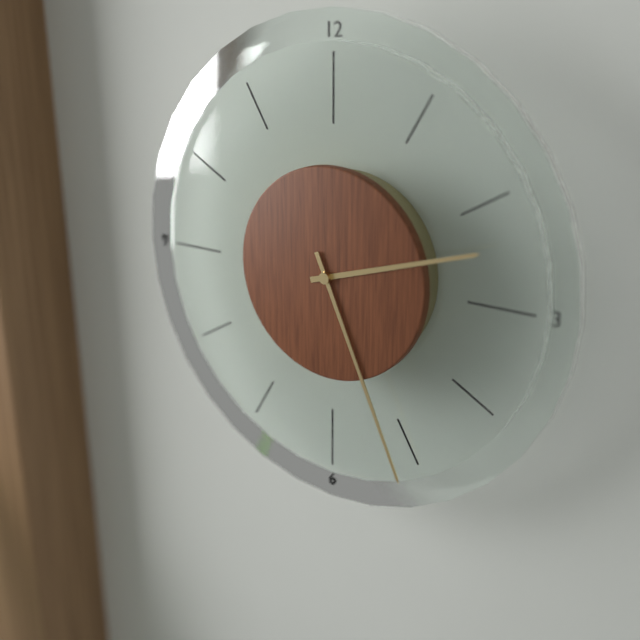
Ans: 2:26
